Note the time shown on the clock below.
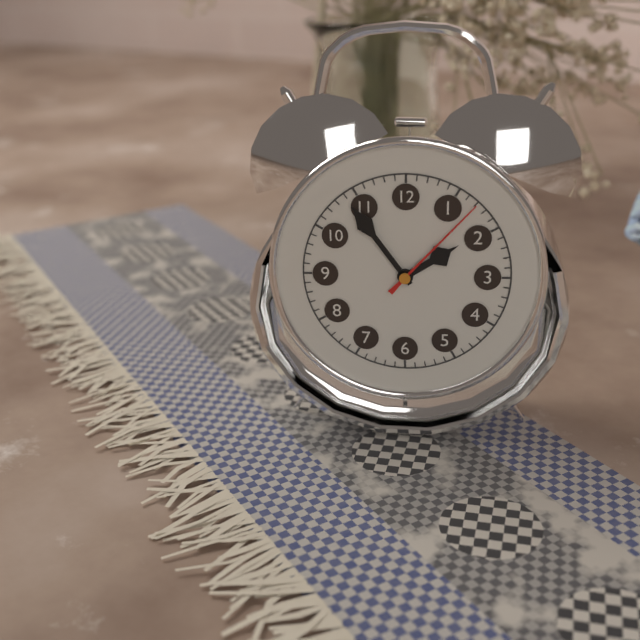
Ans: 1:54:07
